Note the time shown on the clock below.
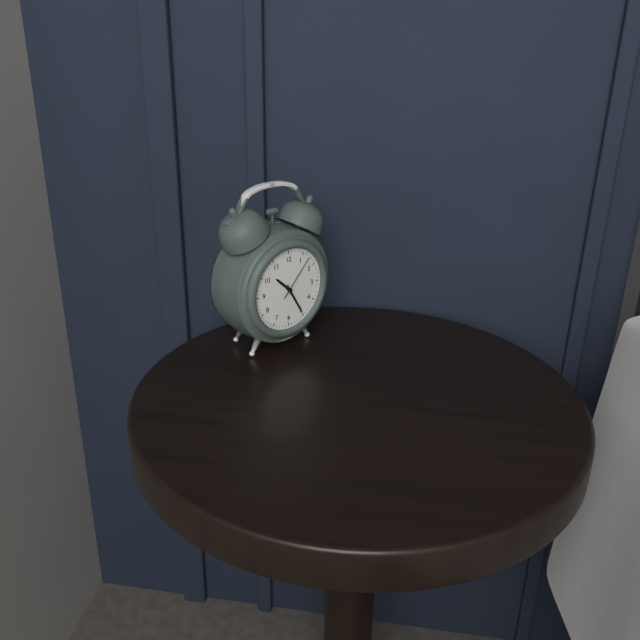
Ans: 10:25
